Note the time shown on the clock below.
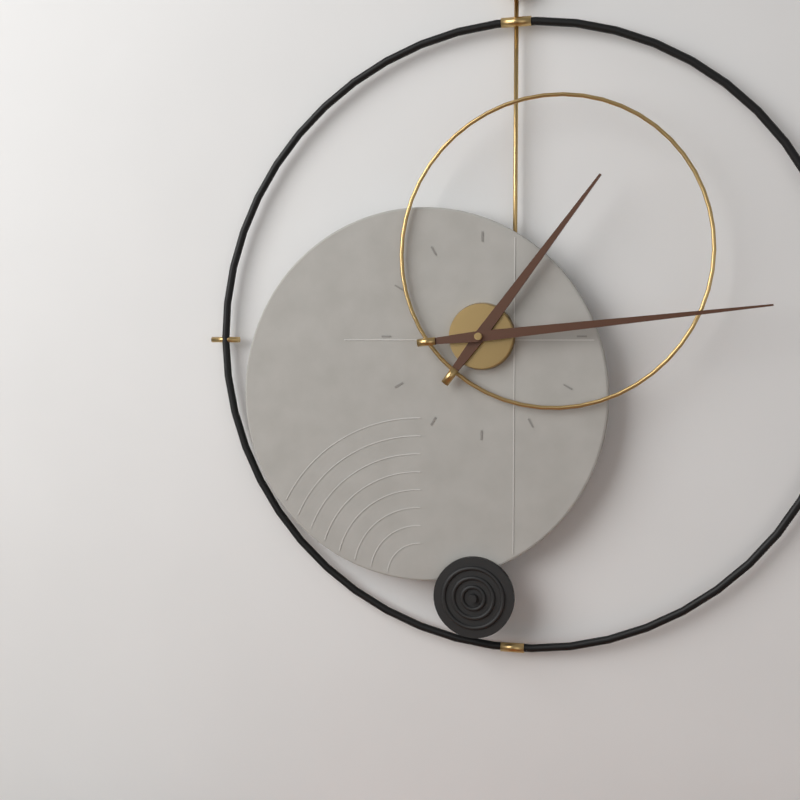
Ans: 1:14
